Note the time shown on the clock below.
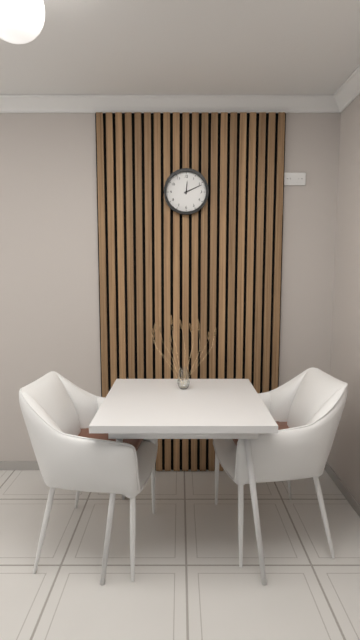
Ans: 12:11
